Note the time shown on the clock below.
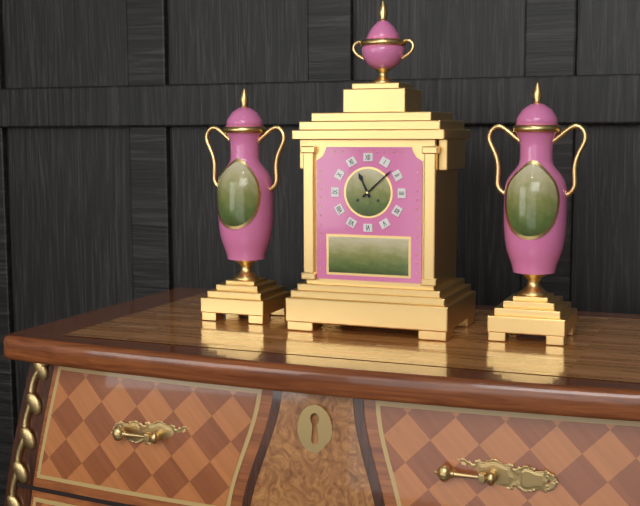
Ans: 11:08
